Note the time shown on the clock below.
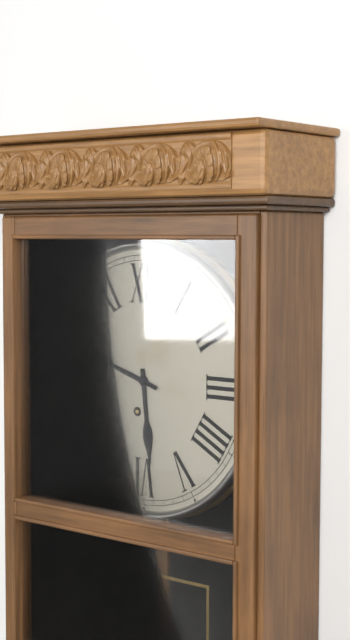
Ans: 5:48
